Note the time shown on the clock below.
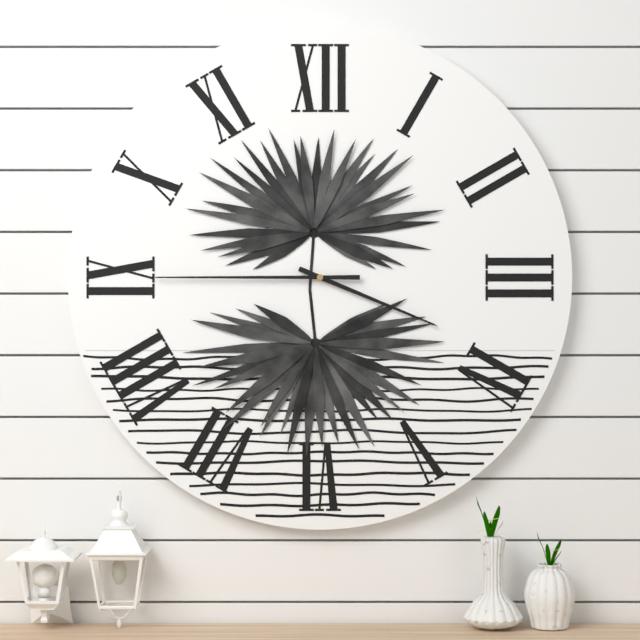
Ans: 3:45
